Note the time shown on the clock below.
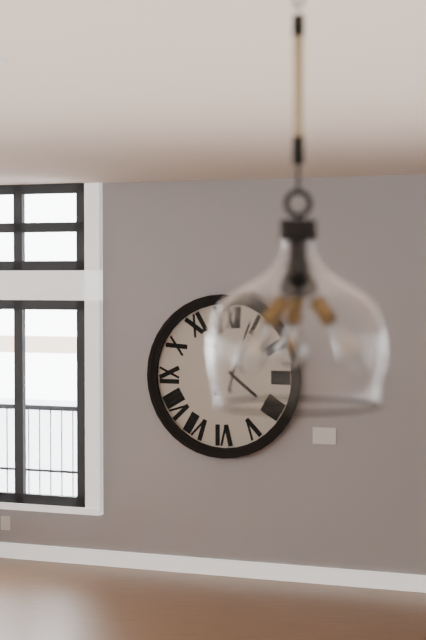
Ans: 4:04
